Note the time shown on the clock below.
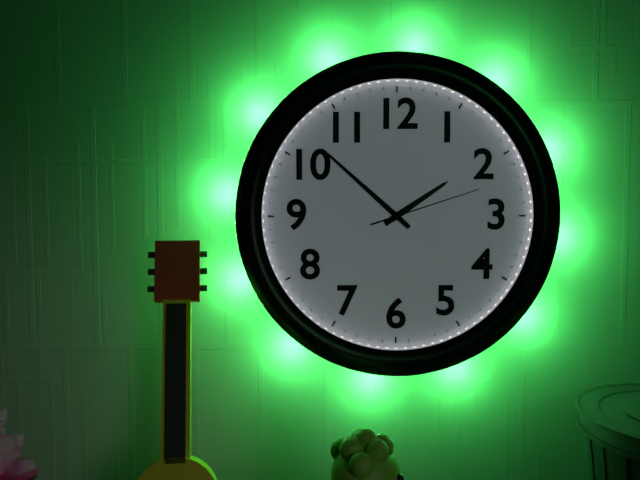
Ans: 1:52:12
